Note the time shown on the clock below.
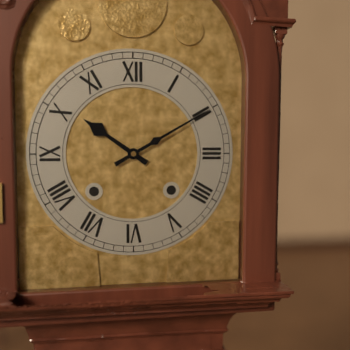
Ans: 10:10
